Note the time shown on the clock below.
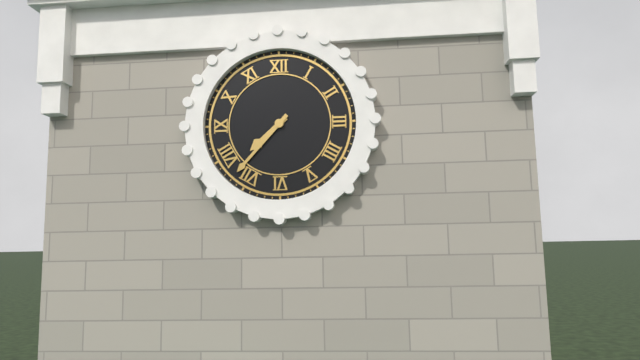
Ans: 7:37
